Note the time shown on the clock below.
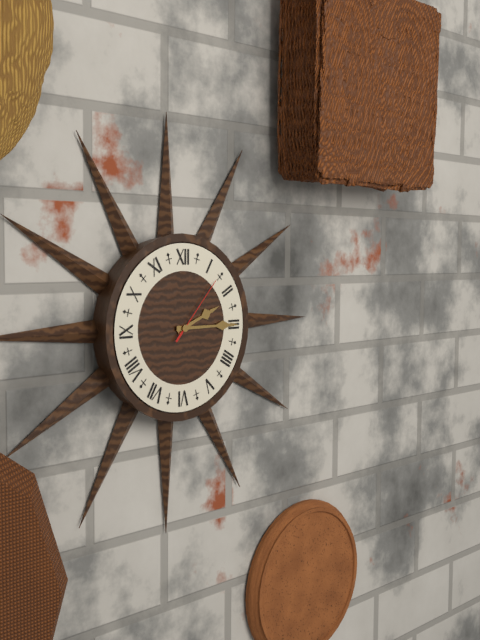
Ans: 2:15:07
